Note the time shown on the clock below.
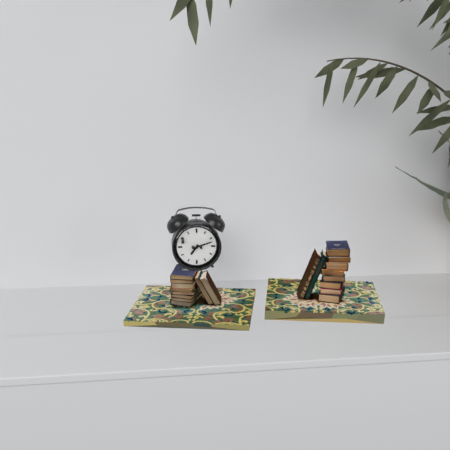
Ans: 7:12
